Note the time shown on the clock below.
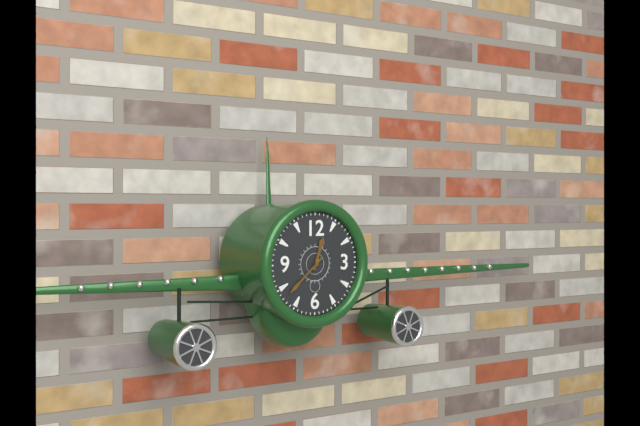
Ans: 12:38
